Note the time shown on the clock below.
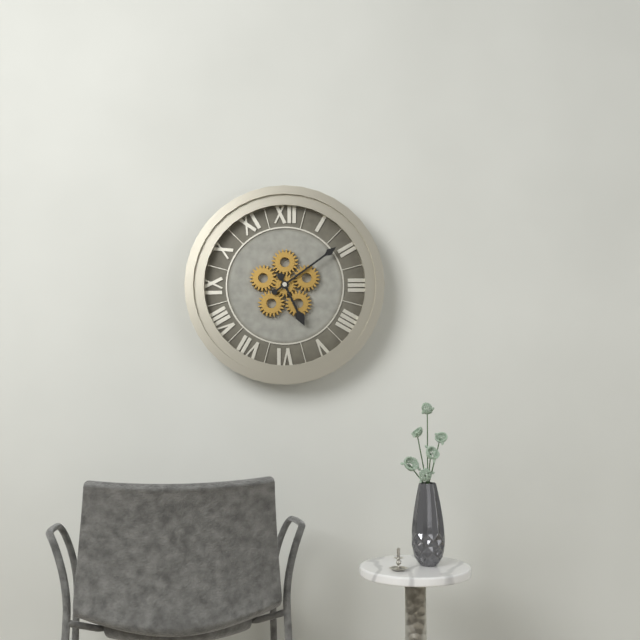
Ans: 5:09
